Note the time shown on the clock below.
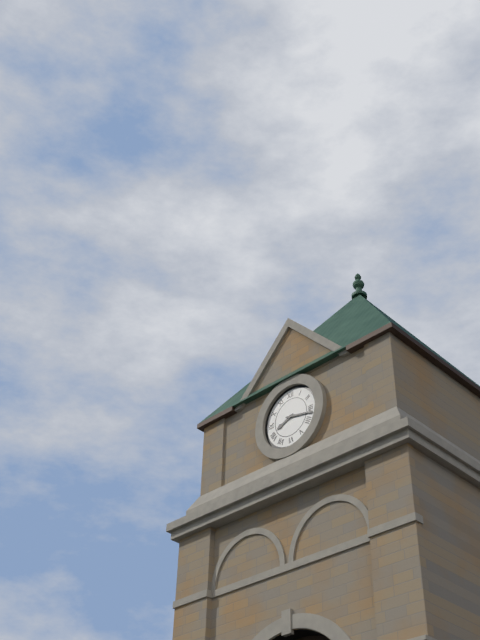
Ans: 8:17
